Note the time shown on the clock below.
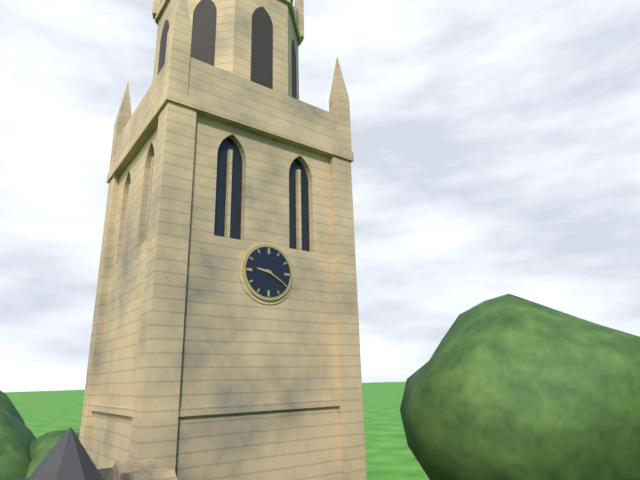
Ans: 9:20
